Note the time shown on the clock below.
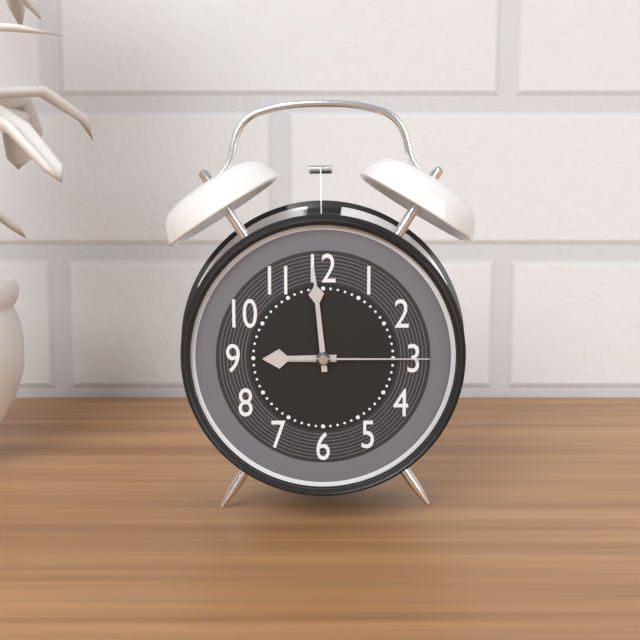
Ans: 8:59:15
